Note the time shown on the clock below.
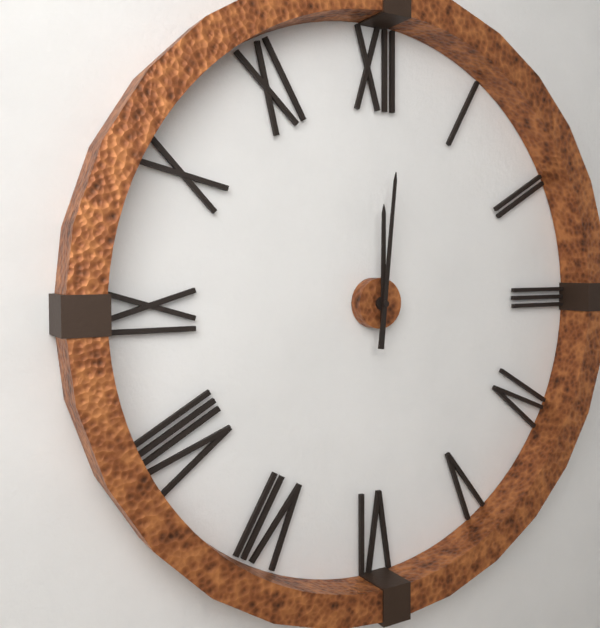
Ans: 12:01
